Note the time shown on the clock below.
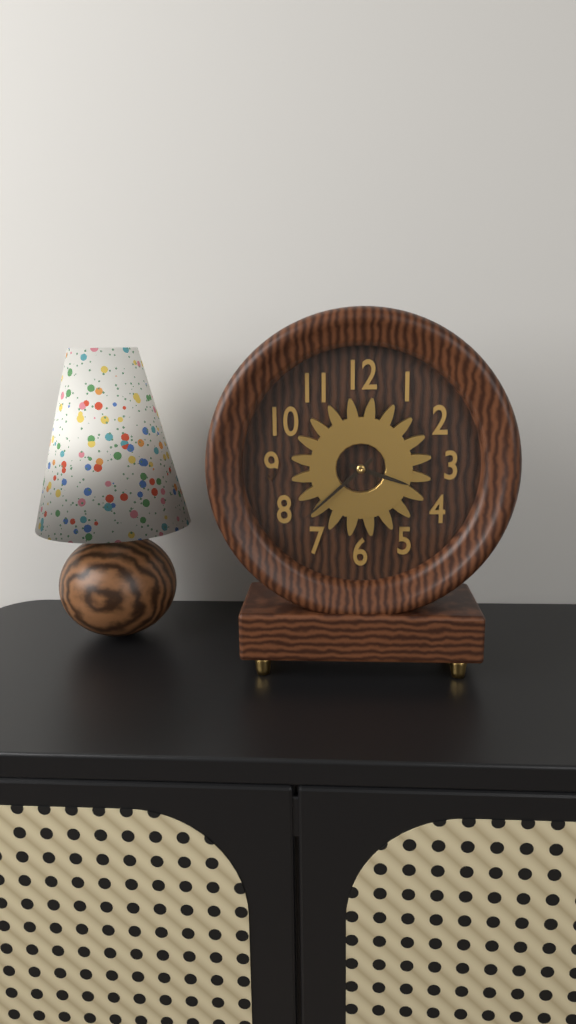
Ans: 3:38
